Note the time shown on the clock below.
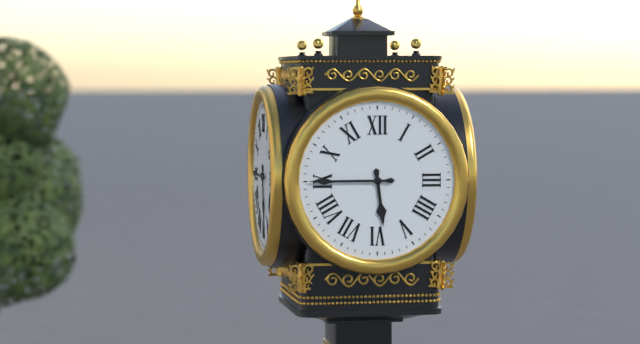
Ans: 5:45
